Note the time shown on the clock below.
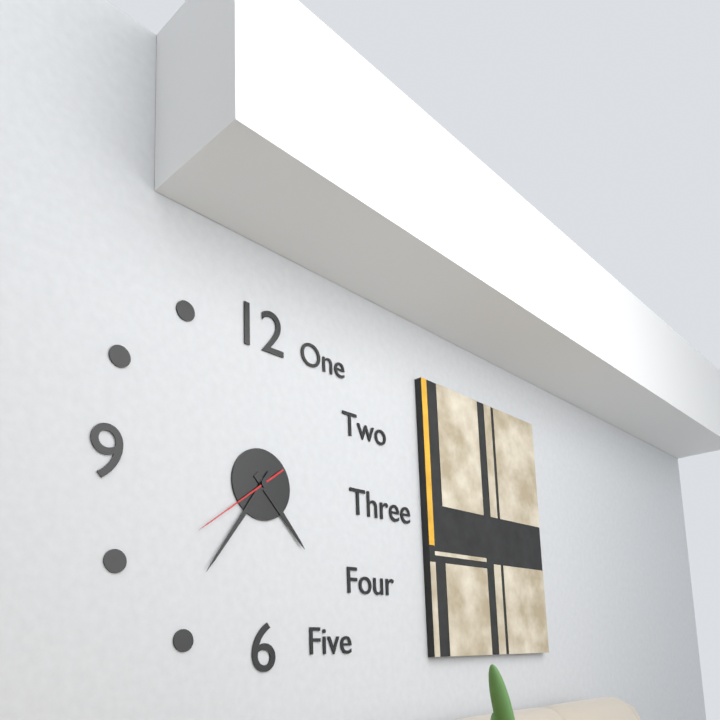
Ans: 4:36:39
